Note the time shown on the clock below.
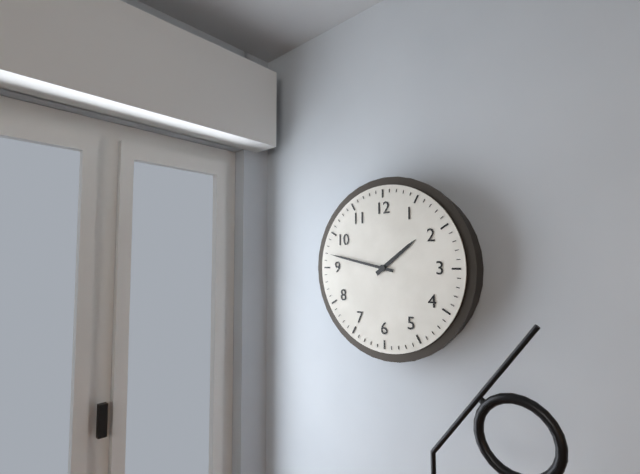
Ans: 1:47
